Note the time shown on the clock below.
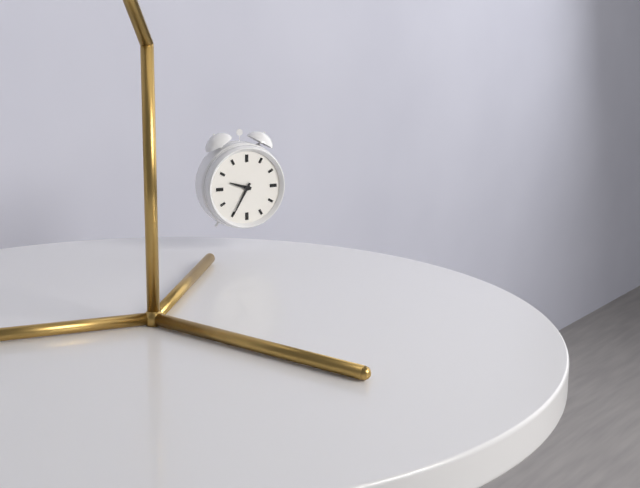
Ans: 9:35
